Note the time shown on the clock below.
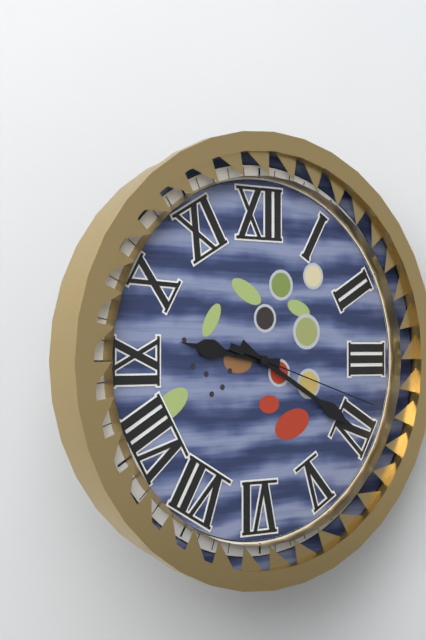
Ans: 9:20:18
